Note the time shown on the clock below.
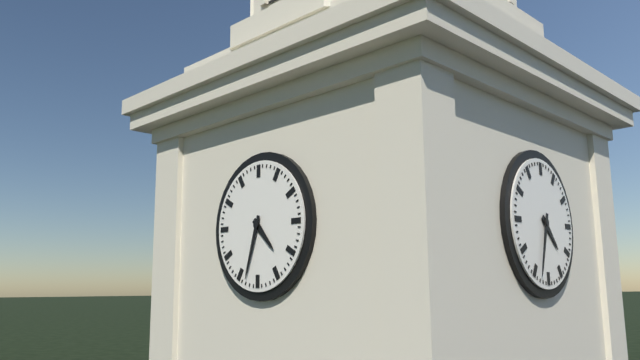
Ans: 4:33
